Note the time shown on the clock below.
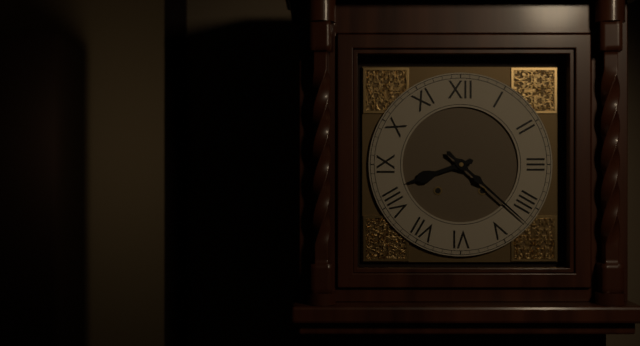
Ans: 8:22
